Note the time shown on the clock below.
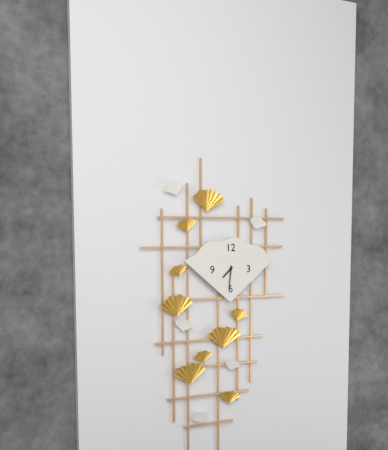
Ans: 7:31
